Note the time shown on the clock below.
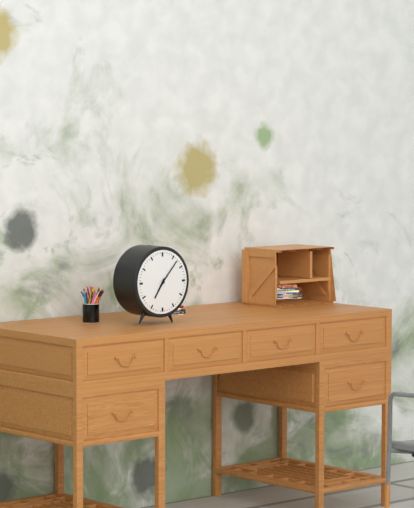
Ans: 7:07
